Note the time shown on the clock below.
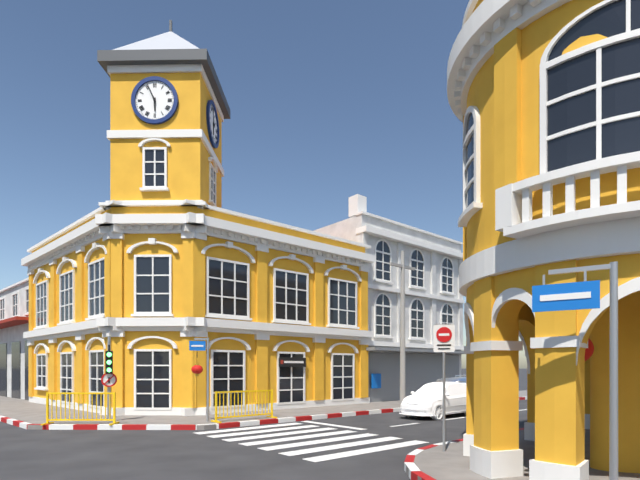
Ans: 5:56
